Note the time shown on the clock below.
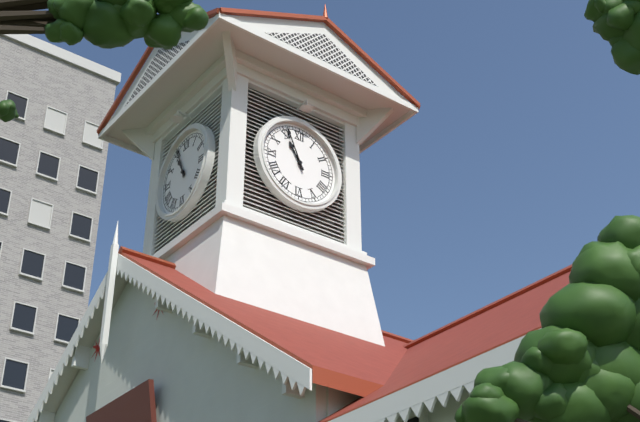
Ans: 10:56
